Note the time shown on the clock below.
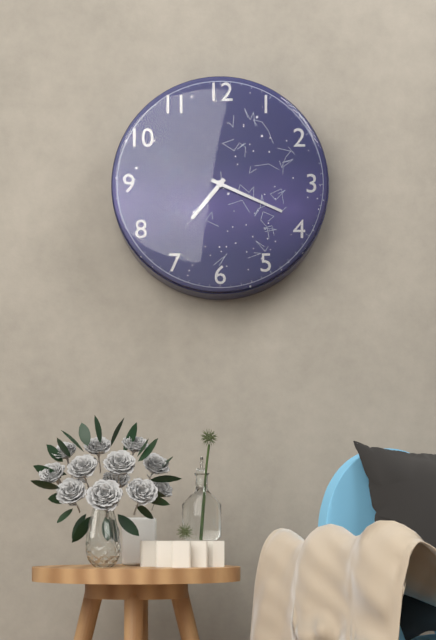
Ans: 7:19
